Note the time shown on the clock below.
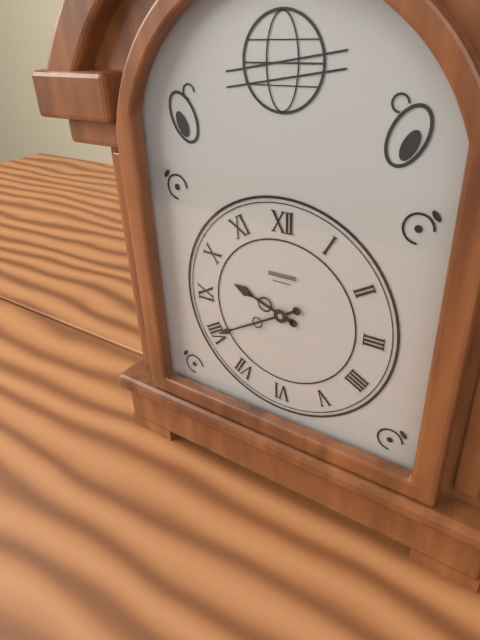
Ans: 9:40
